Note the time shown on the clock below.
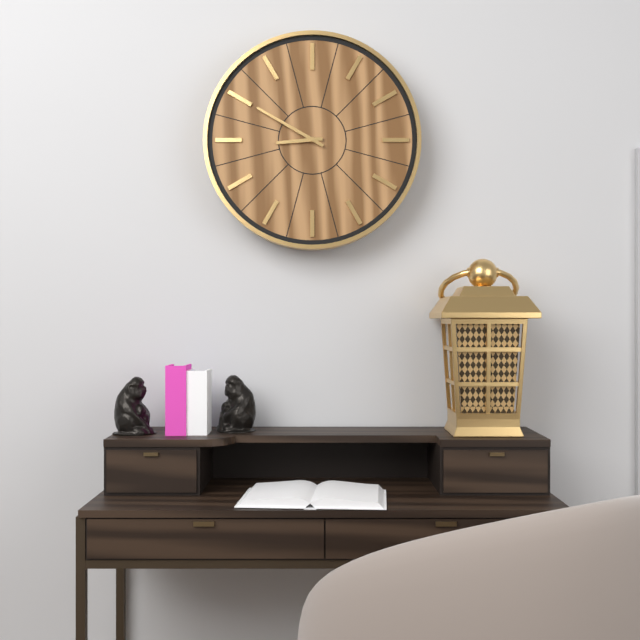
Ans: 8:50
